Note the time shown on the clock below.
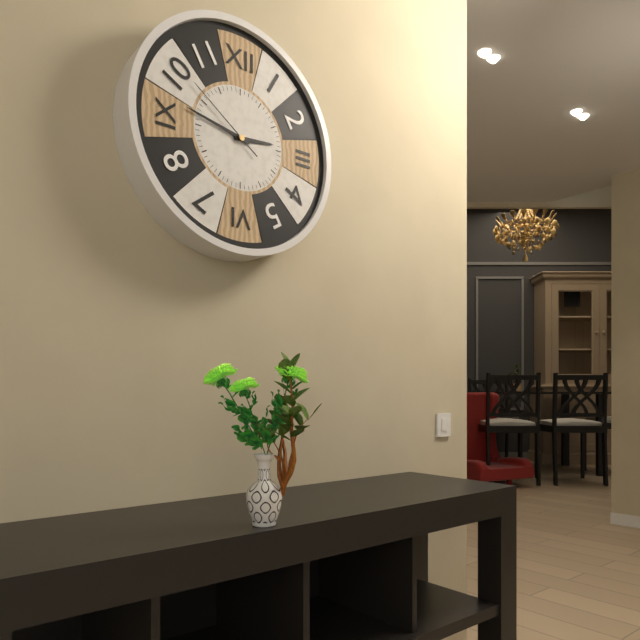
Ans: 2:47:51
